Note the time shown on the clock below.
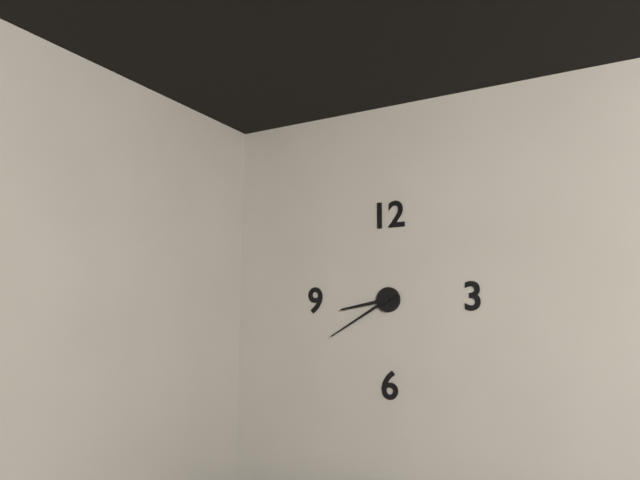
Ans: 8:40
